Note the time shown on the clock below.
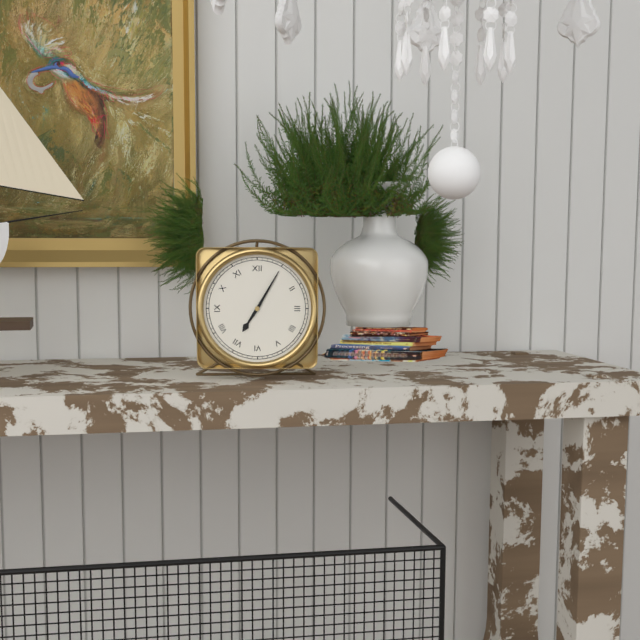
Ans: 7:05
